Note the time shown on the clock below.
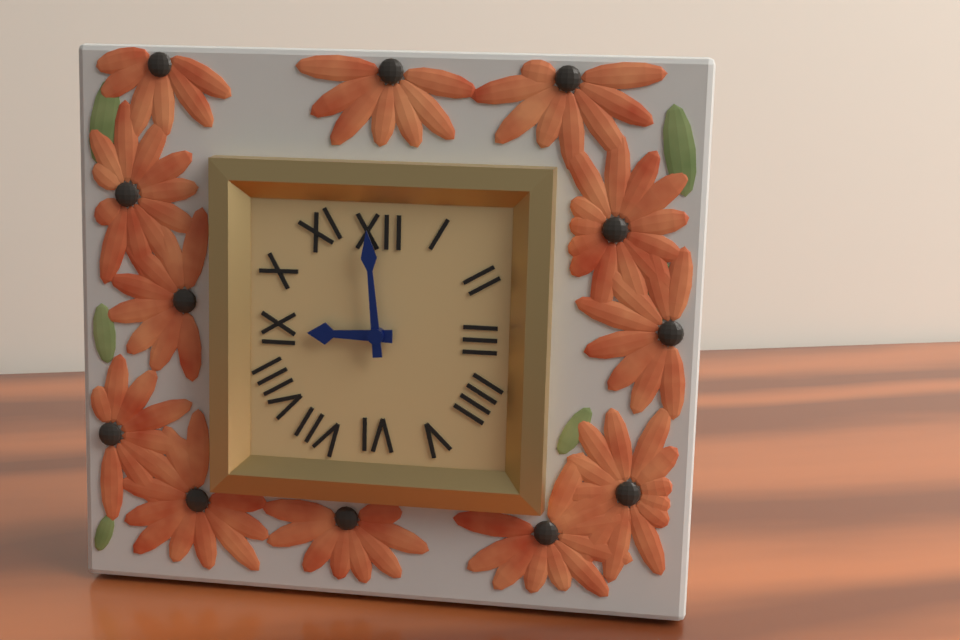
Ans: 8:59
